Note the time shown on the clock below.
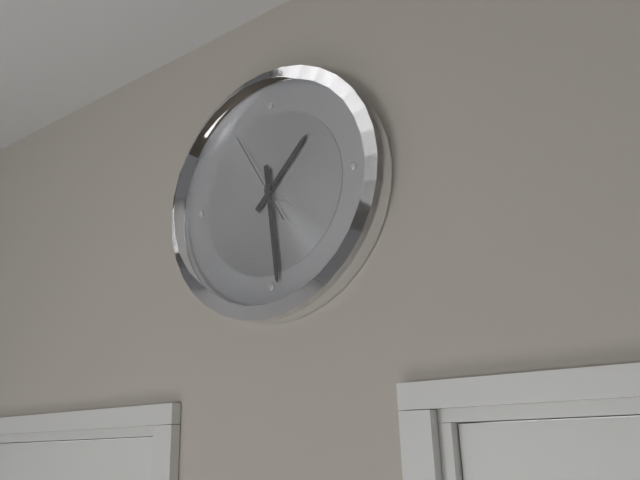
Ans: 1:29:55
